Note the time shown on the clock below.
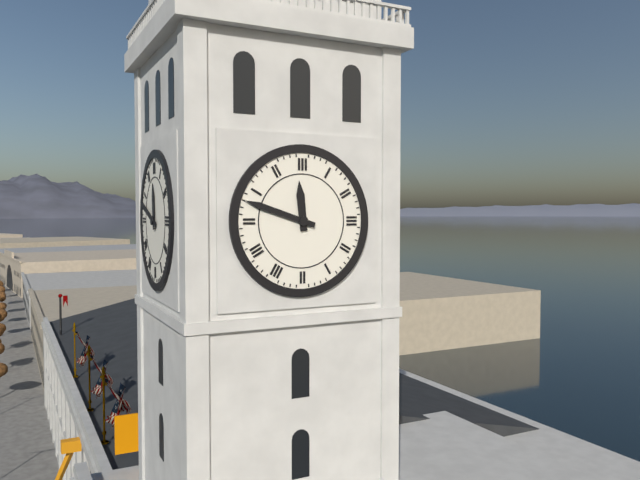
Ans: 11:48
